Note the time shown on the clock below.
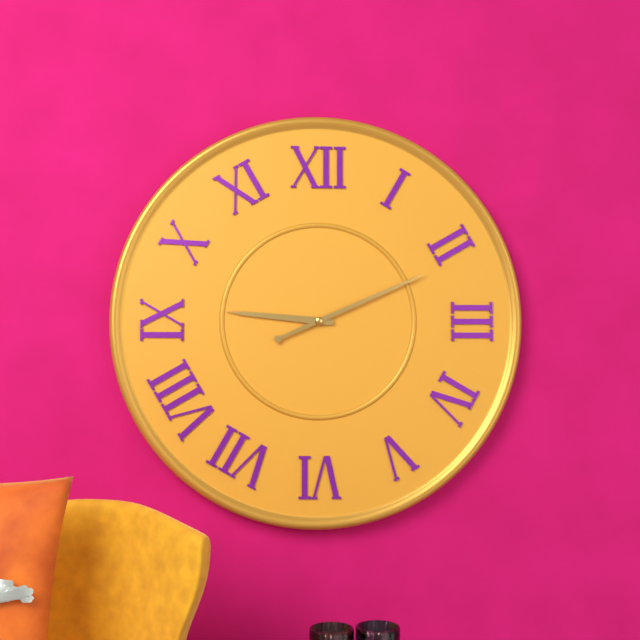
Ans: 9:11
